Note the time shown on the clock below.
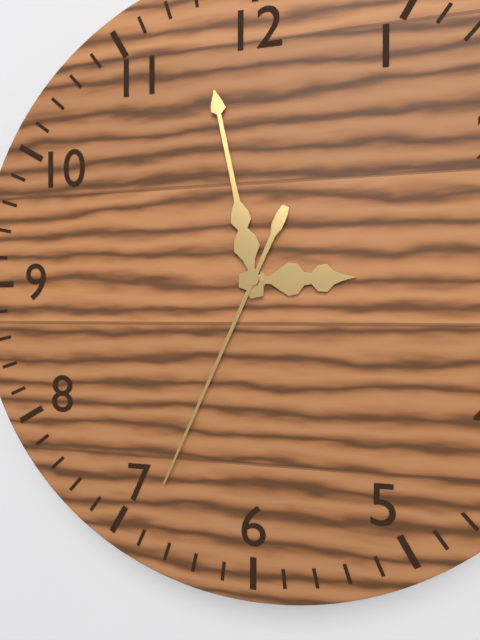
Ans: 2:58:34
